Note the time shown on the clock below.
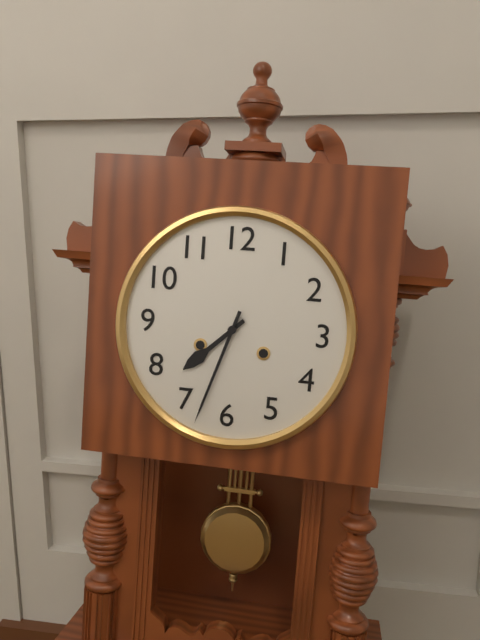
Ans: 7:33
